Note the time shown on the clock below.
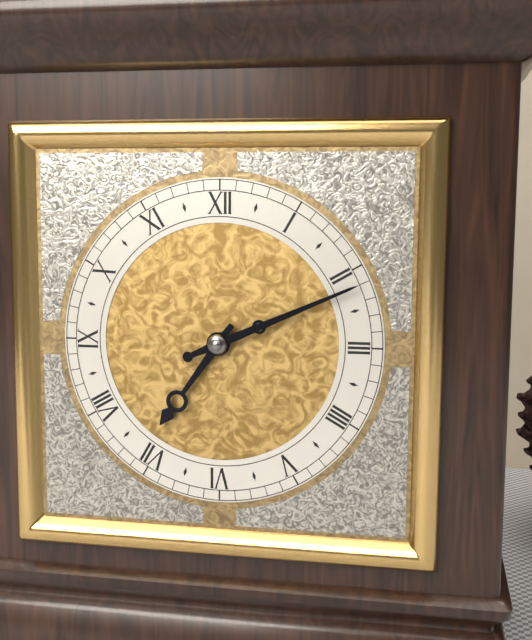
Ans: 7:11
